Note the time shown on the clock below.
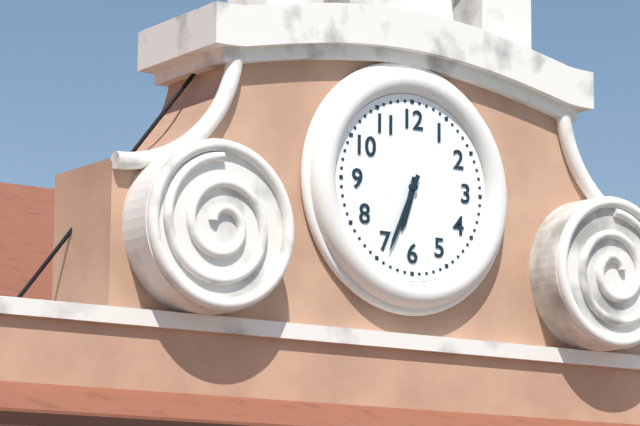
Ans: 6:34
